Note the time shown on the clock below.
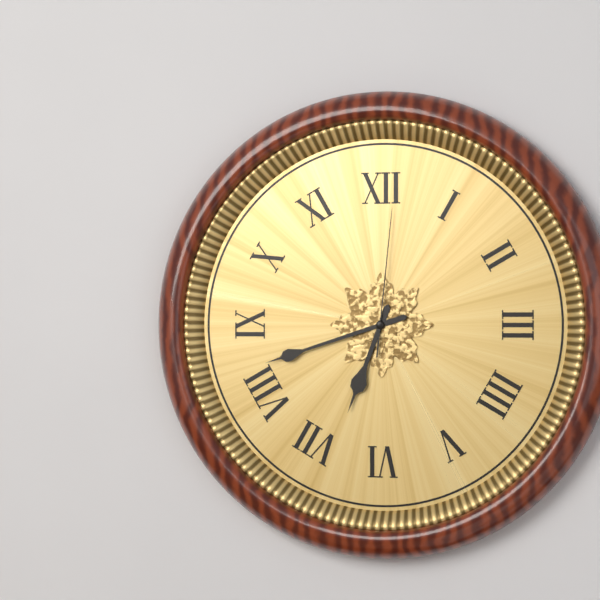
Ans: 6:42:01
